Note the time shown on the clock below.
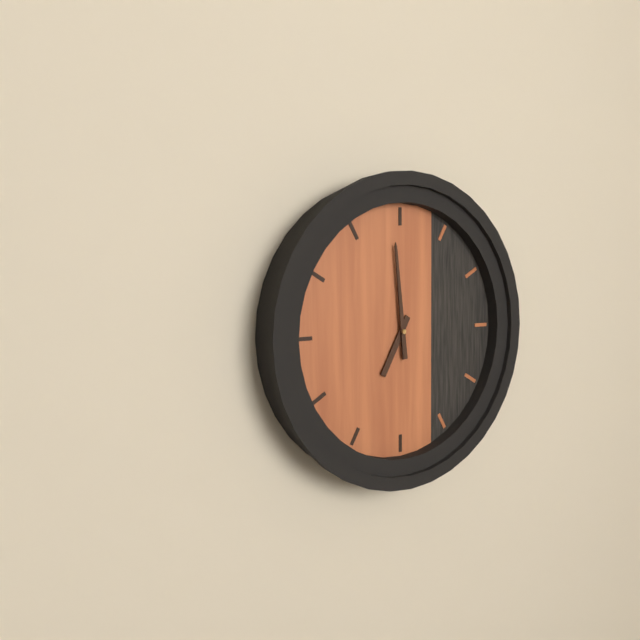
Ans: 6:59
